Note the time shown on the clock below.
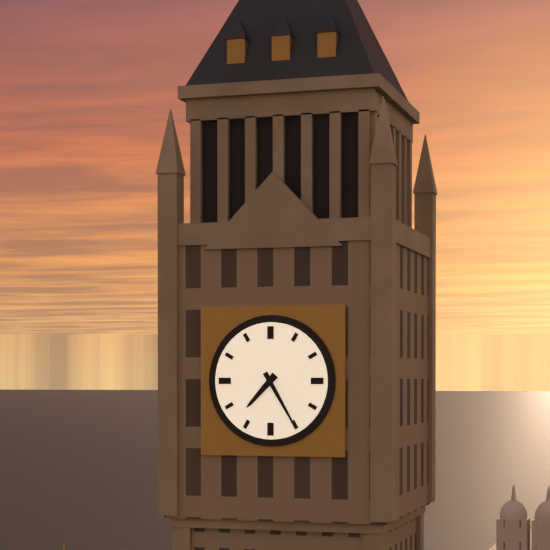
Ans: 7:25
